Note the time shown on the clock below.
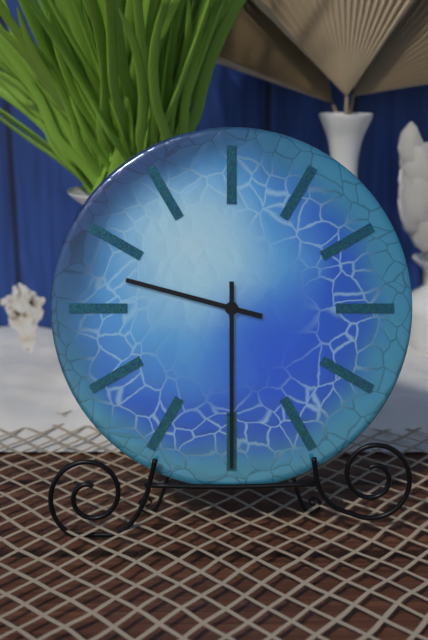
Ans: 9:30
